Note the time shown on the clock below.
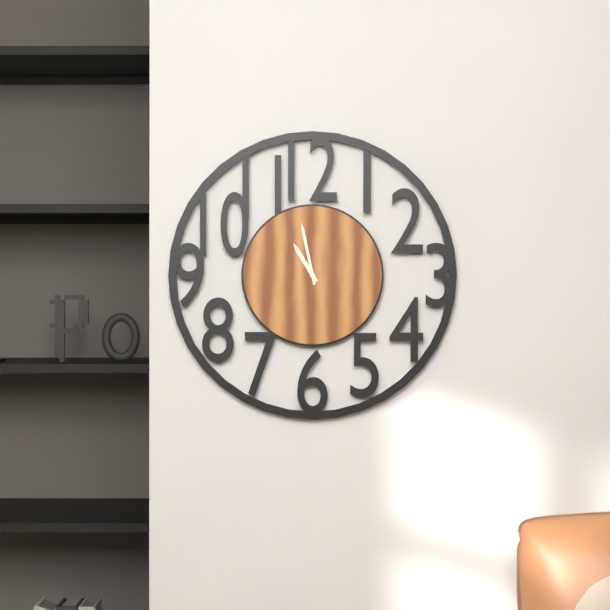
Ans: 10:58
